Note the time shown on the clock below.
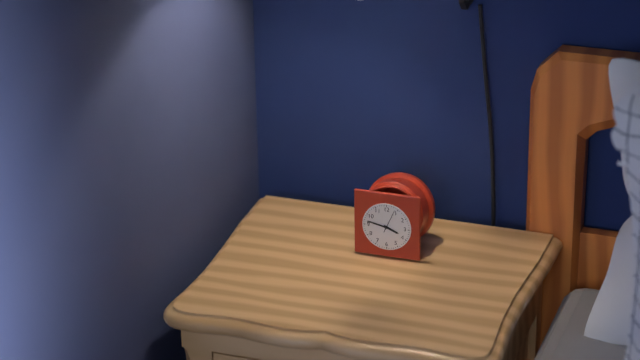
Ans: 3:47
